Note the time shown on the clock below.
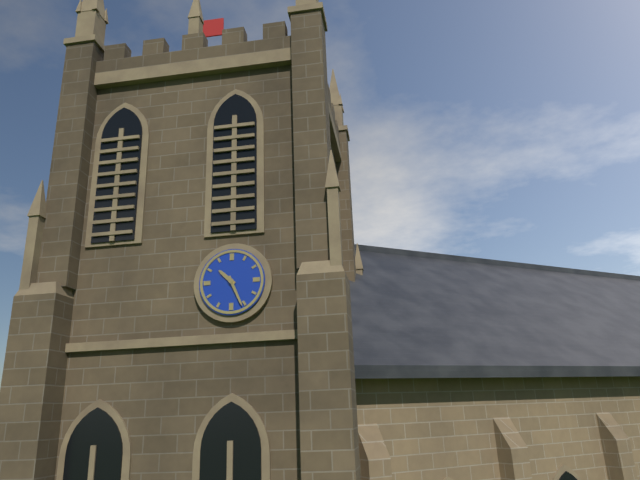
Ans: 10:26
